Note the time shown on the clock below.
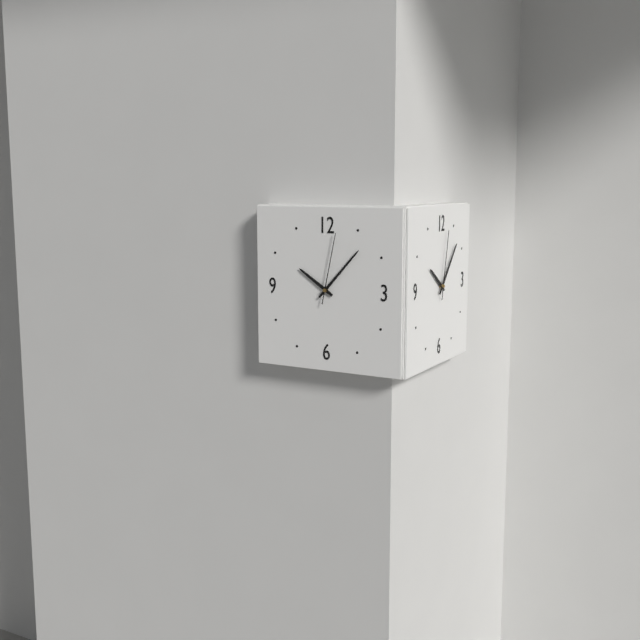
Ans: 10:07:02
